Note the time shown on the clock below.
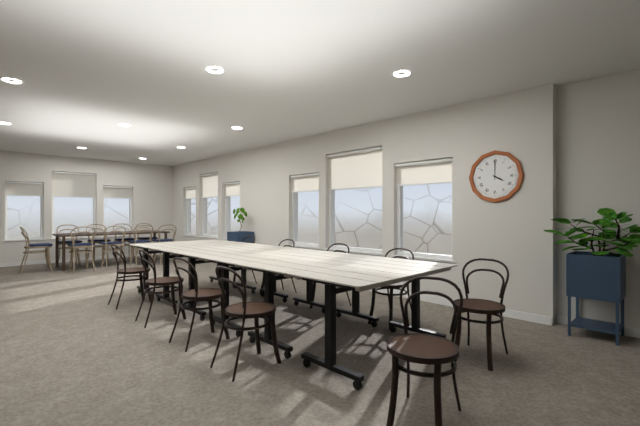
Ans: 4:00
